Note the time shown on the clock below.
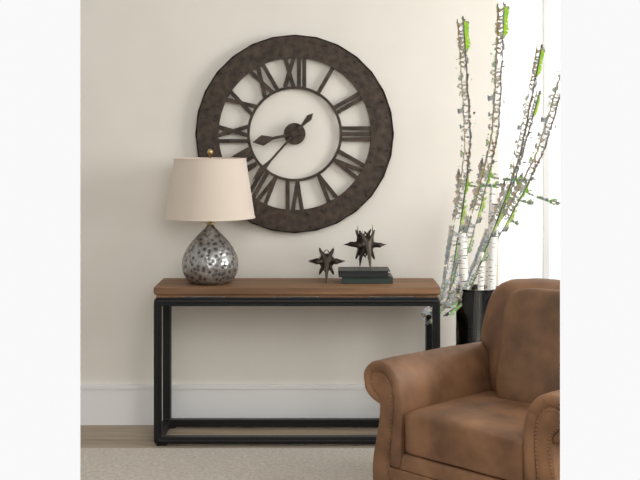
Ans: 8:37
